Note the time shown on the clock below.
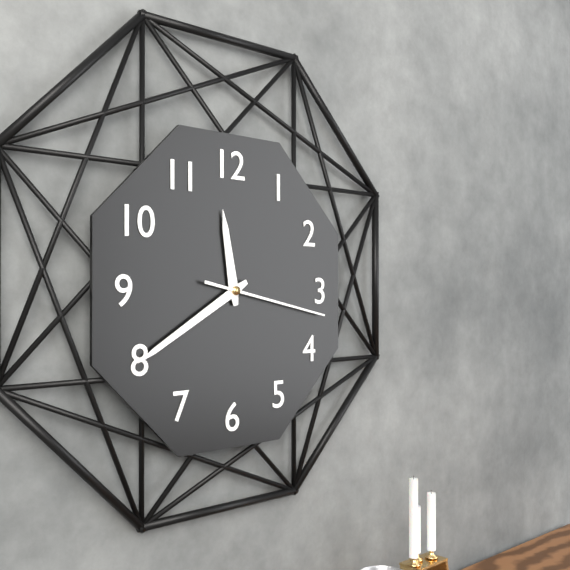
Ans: 11:40:17
